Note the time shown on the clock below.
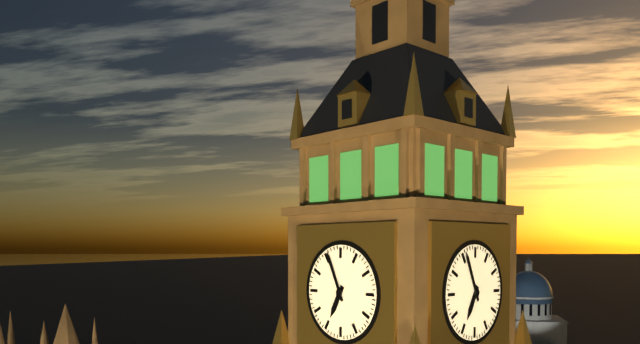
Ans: 6:56
